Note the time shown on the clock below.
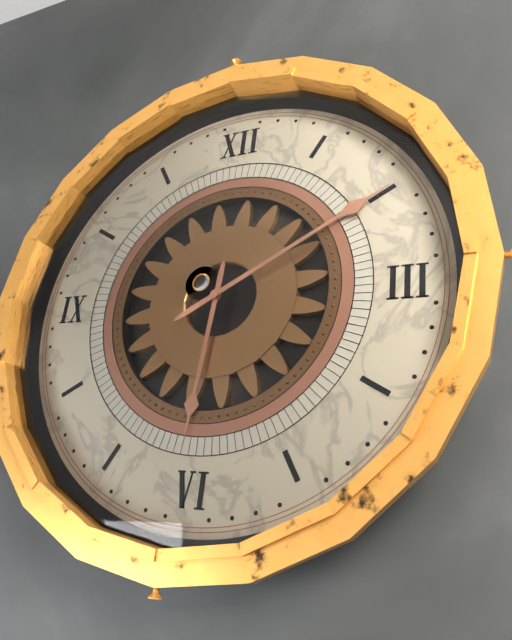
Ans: 6:10
